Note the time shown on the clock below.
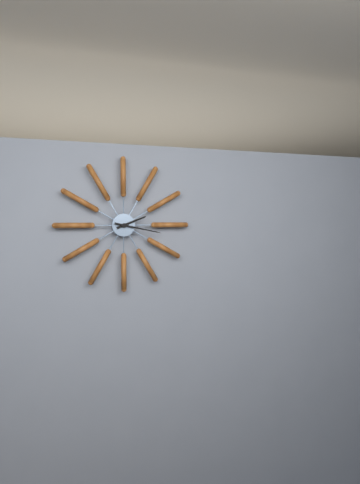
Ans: 2:17
